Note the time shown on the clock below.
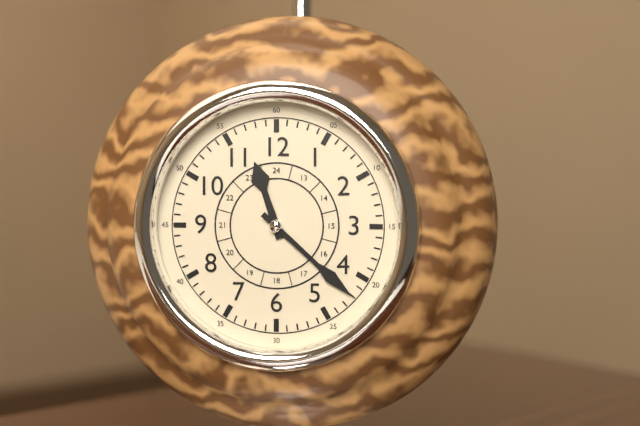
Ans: 11:22
